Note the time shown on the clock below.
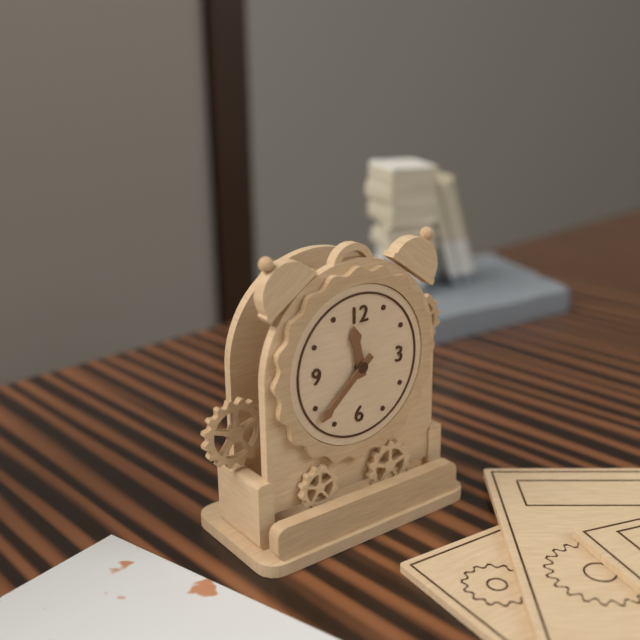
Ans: 11:38
